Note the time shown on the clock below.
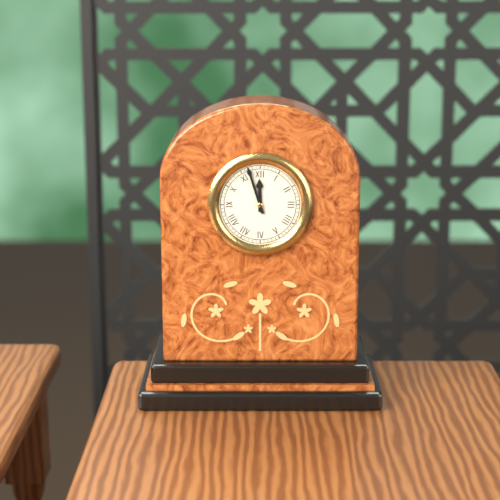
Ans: 11:57
